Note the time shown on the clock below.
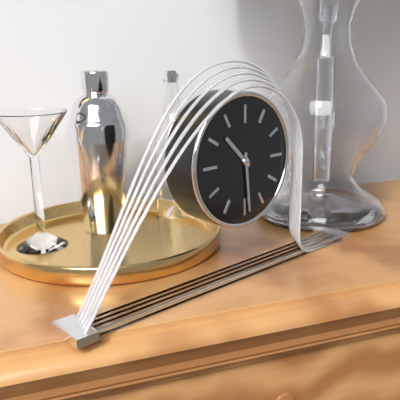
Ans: 10:29
